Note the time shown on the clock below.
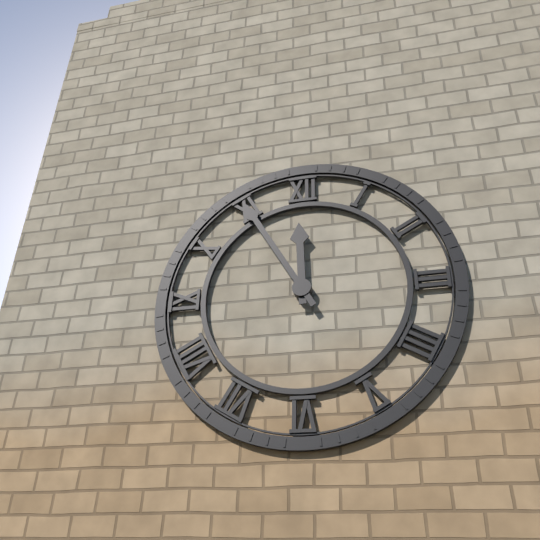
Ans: 11:55
